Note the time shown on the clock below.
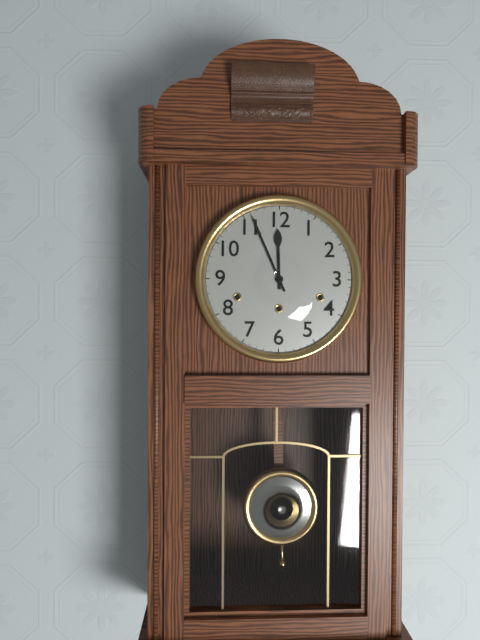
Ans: 11:56
